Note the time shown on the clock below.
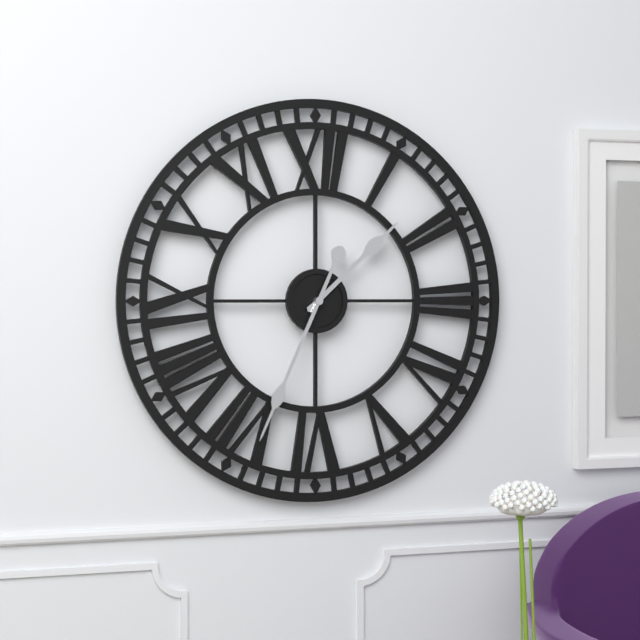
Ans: 1:34
